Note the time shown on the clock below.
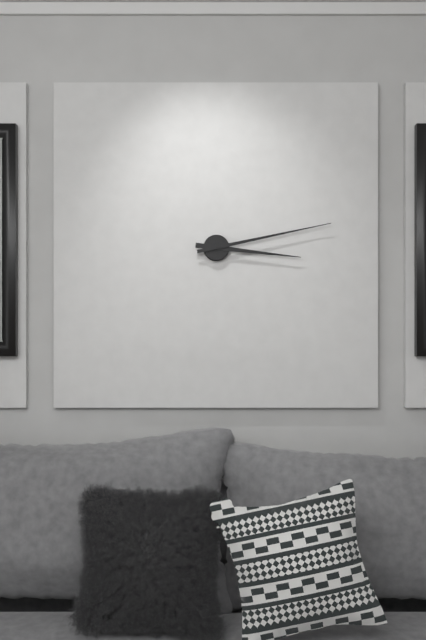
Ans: 3:13
